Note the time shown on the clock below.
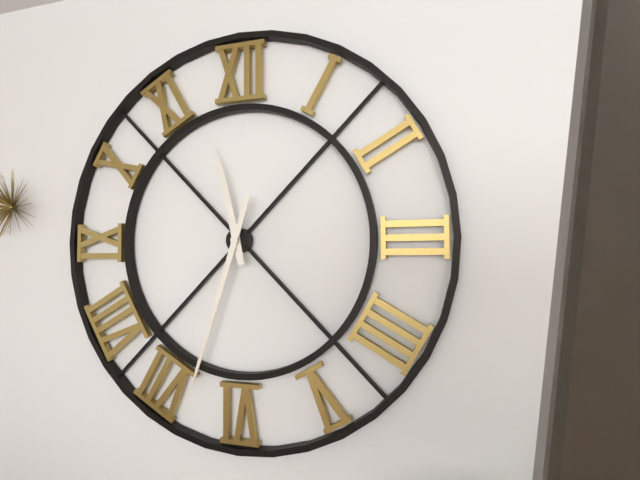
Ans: 11:33
